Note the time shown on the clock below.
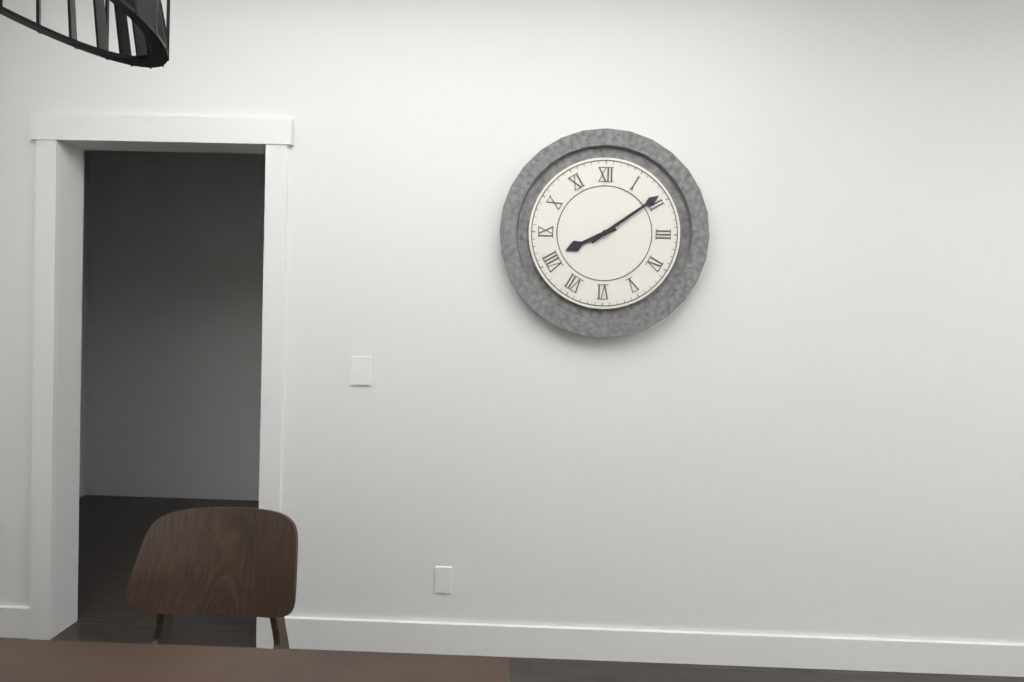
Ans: 8:09
